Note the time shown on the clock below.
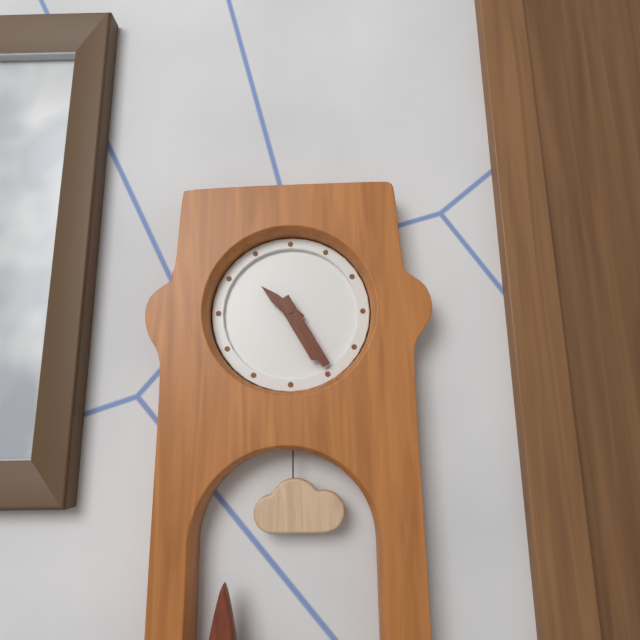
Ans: 10:25
